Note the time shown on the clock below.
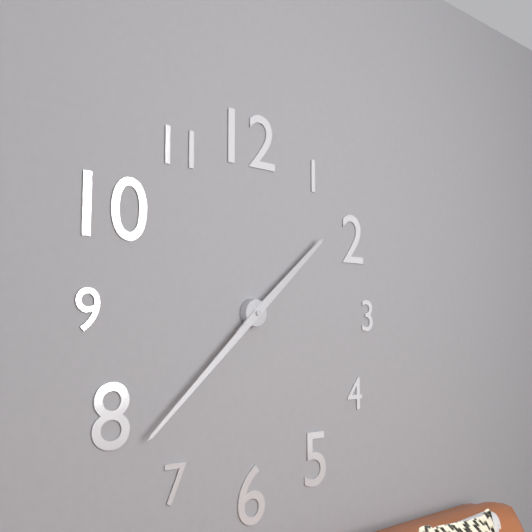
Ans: 1:38
